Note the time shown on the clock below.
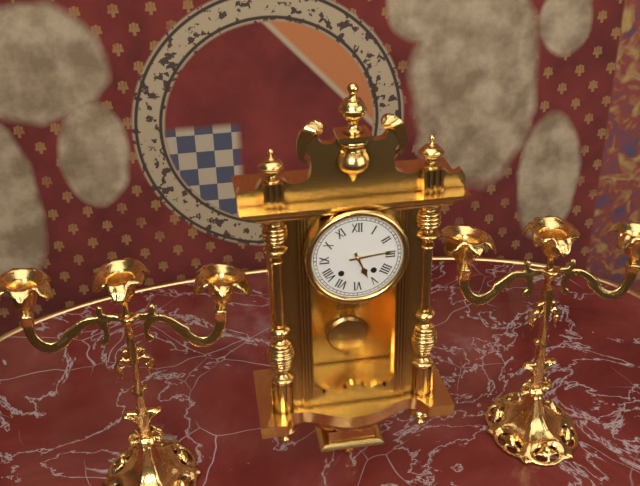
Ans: 5:14
